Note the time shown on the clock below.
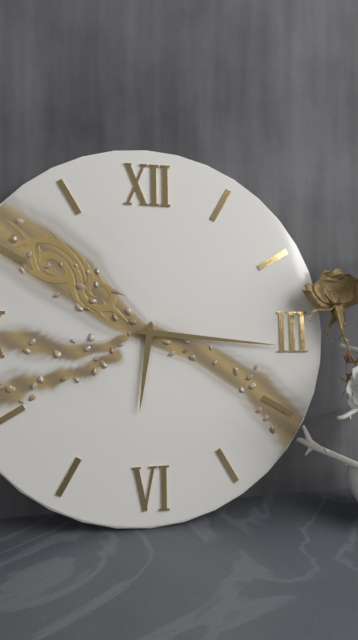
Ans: 6:16
